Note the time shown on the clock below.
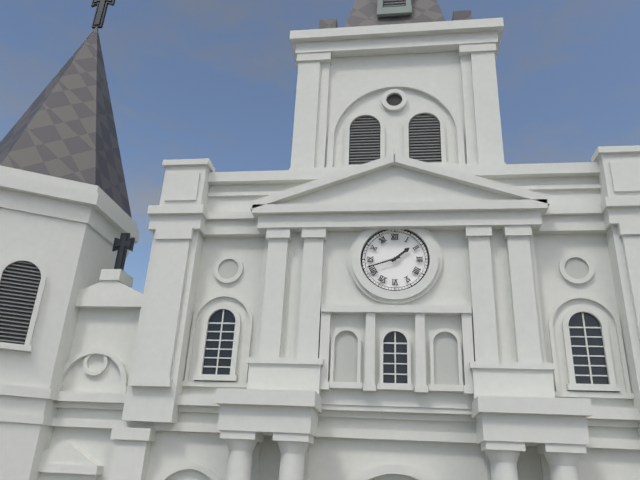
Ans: 1:42
